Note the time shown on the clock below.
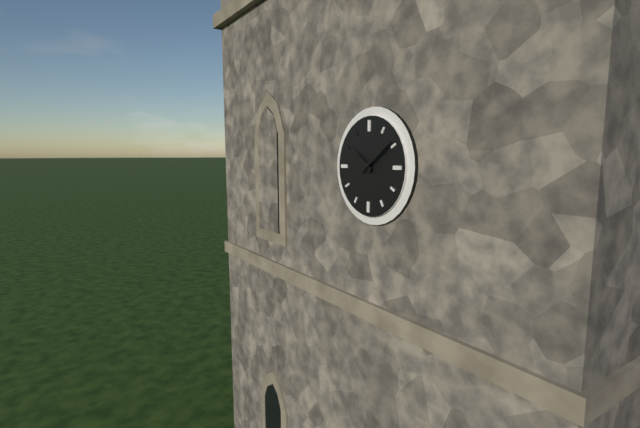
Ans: 10:09
